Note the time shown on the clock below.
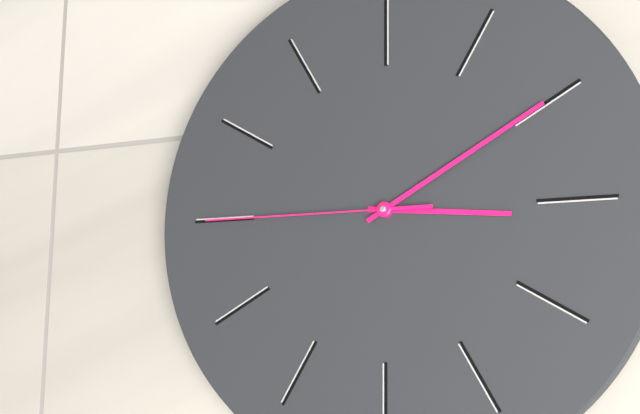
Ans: 3:10:45
